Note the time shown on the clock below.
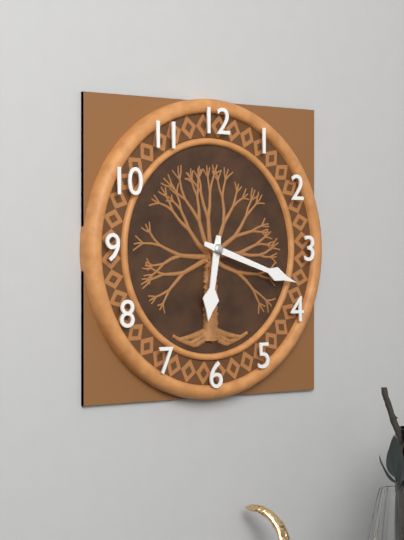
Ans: 6:18
